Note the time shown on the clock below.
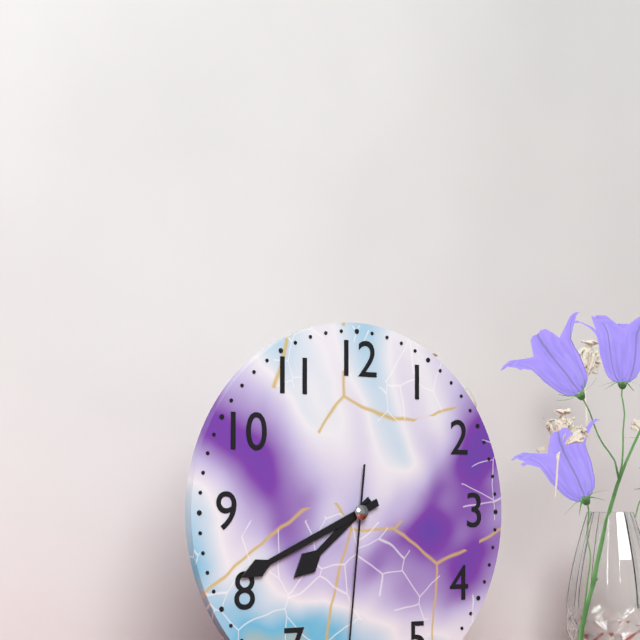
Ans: 7:41
